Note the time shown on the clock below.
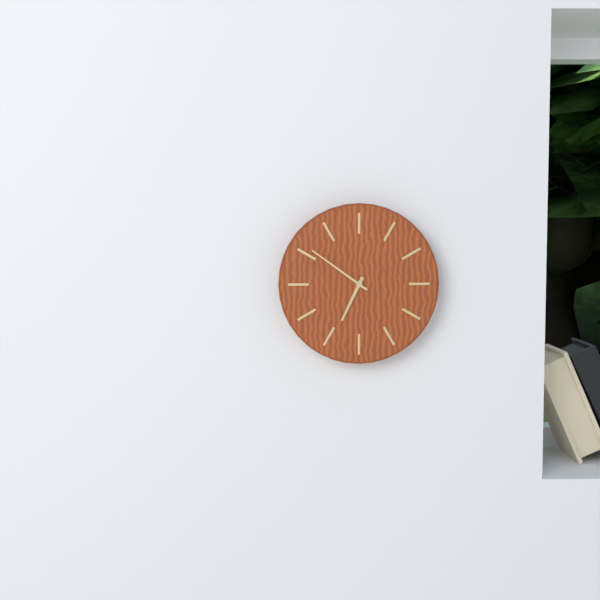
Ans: 6:51
